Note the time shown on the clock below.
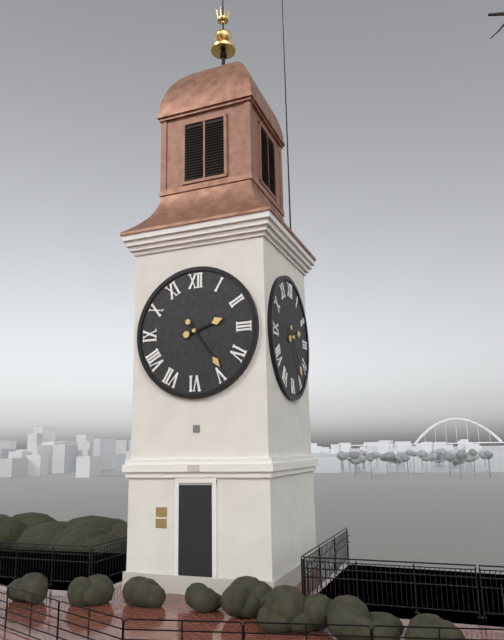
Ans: 2:24
